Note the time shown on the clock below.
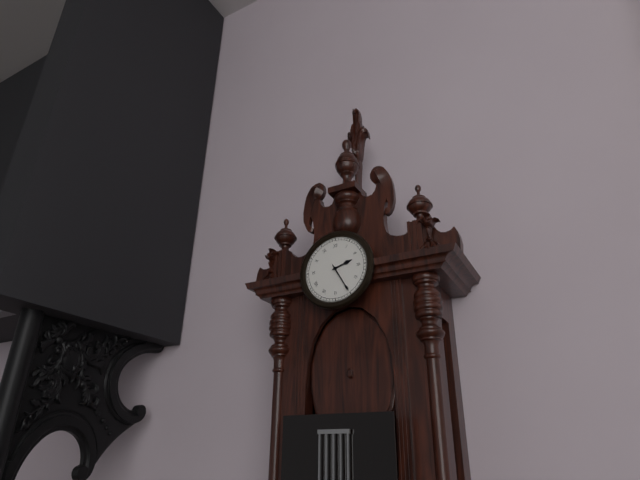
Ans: 2:25
